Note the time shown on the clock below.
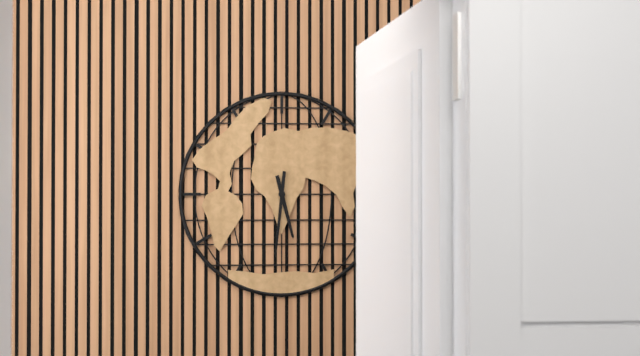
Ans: 5:31
